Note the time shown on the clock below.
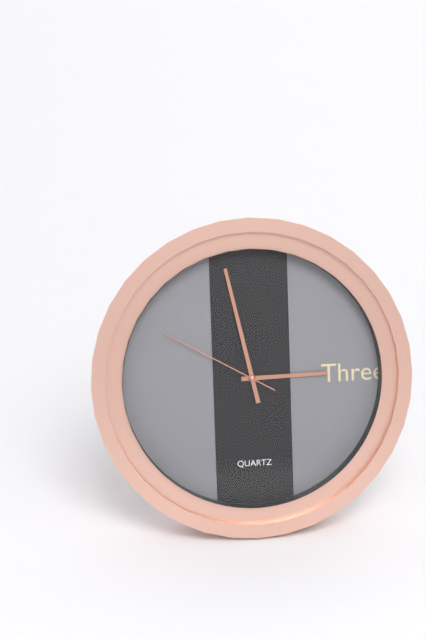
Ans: 2:58:50
